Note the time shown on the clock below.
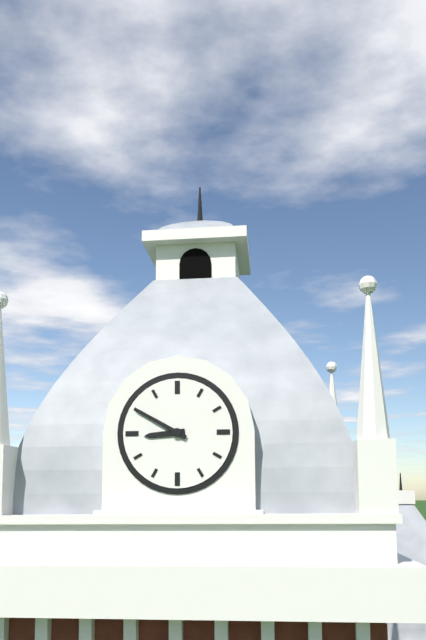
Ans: 8:50
